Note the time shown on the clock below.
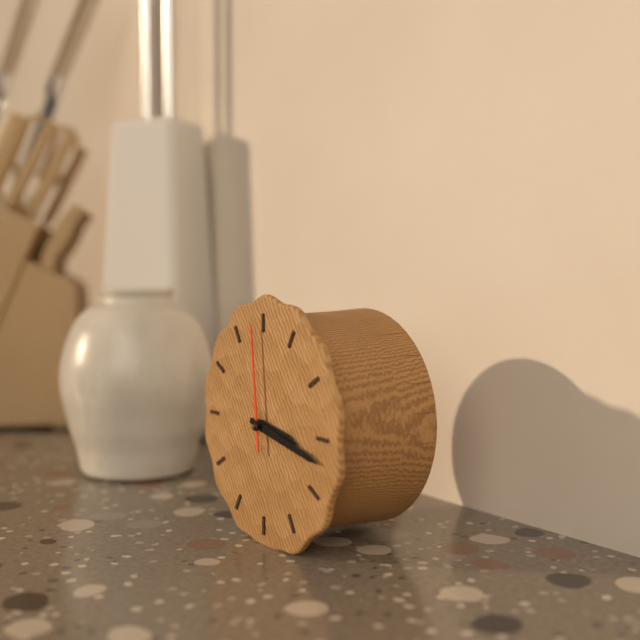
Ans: 3:17:59
